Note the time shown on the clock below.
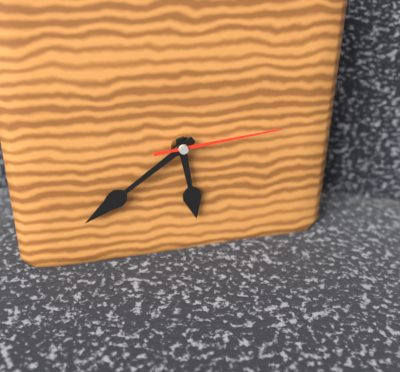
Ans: 5:39:14
